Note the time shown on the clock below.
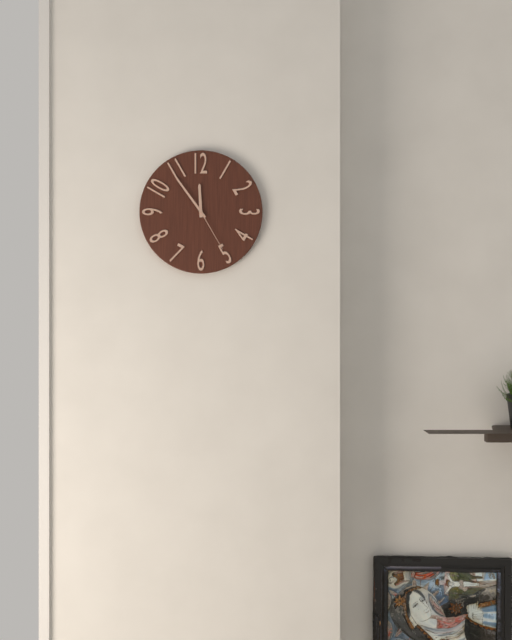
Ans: 11:54:25
